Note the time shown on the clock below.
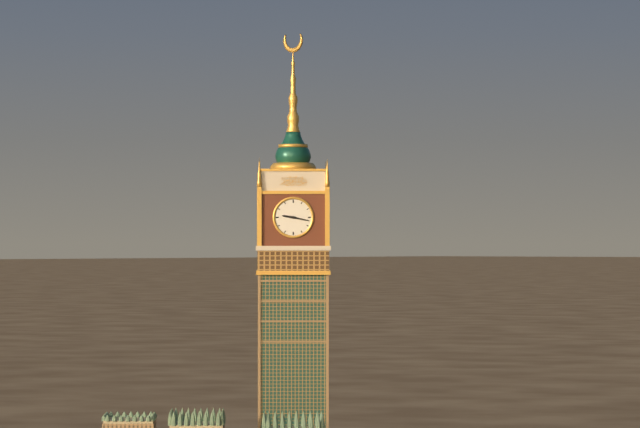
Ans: 9:17
